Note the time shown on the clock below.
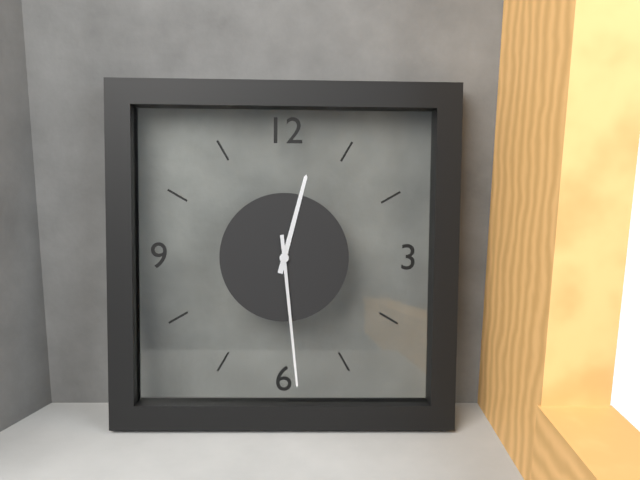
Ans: 12:29
